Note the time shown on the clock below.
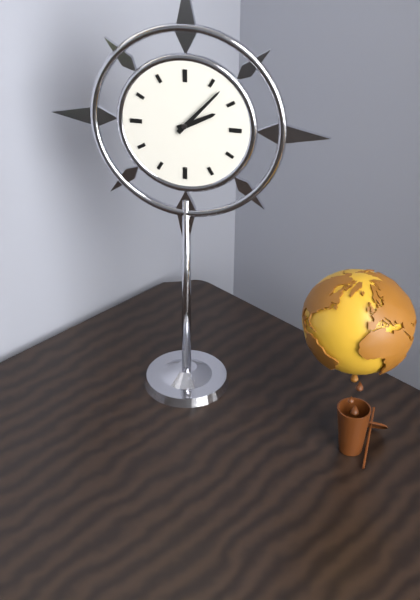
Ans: 2:07
